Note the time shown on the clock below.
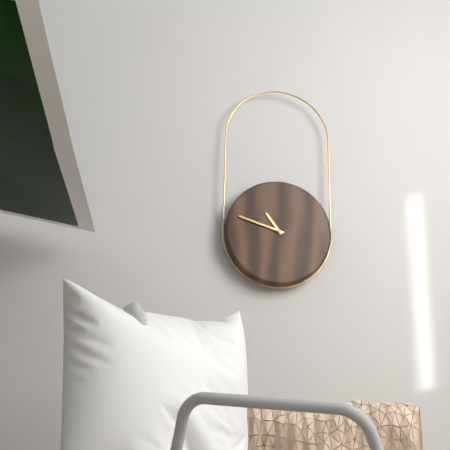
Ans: 10:48
